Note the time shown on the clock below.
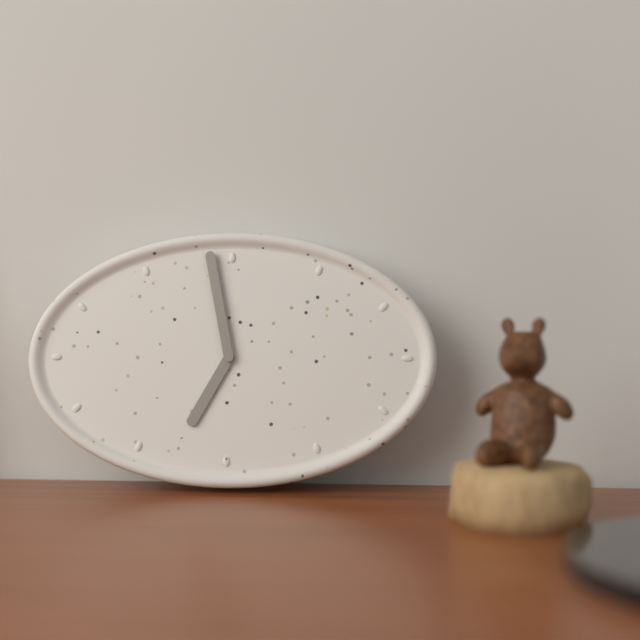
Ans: 6:58
